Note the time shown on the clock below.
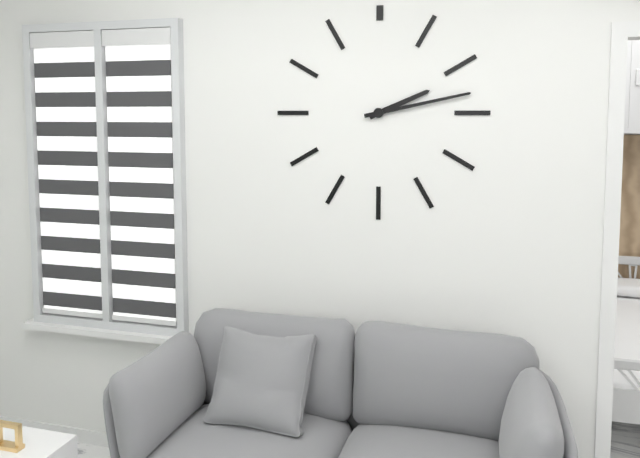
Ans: 2:13
